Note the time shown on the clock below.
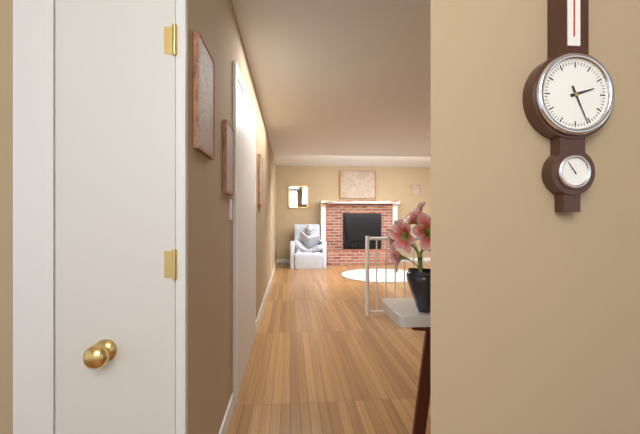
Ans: 2:26
